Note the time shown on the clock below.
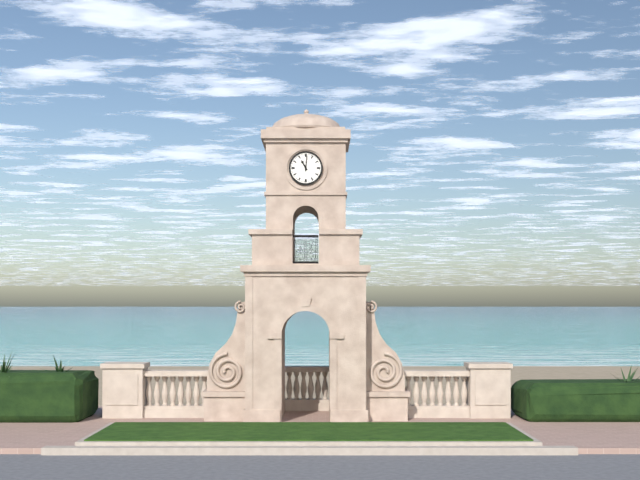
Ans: 11:01
